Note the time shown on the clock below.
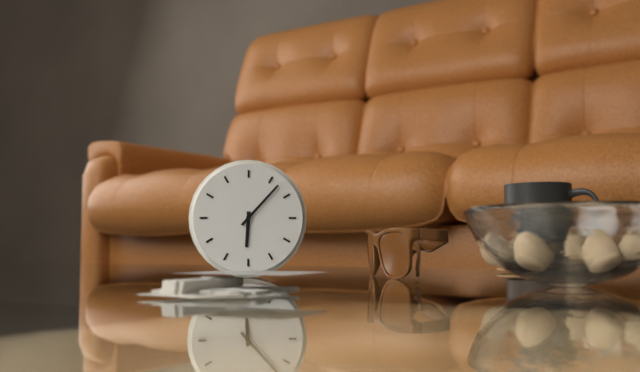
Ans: 6:07
